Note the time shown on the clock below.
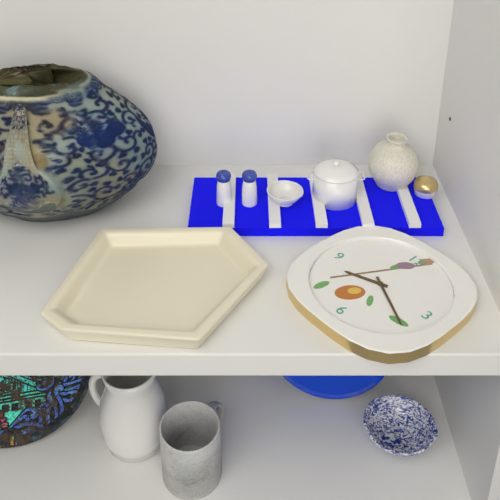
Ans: 8:20
